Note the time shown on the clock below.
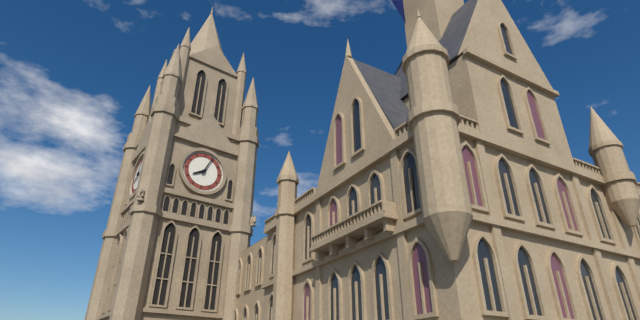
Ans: 8:04
